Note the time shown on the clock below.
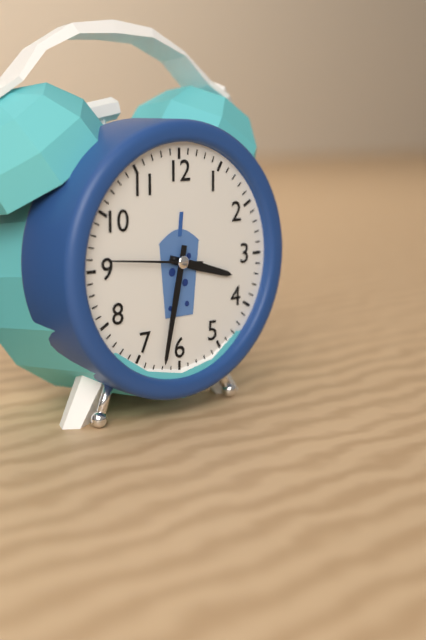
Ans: 3:32:46
